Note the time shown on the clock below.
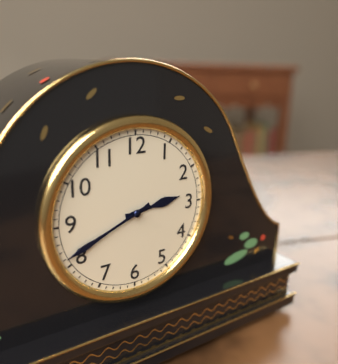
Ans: 2:41
